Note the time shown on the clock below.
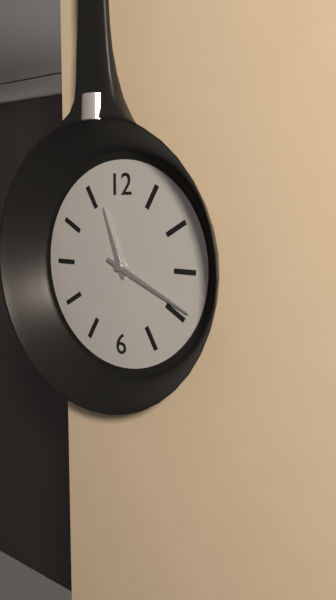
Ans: 11:19
